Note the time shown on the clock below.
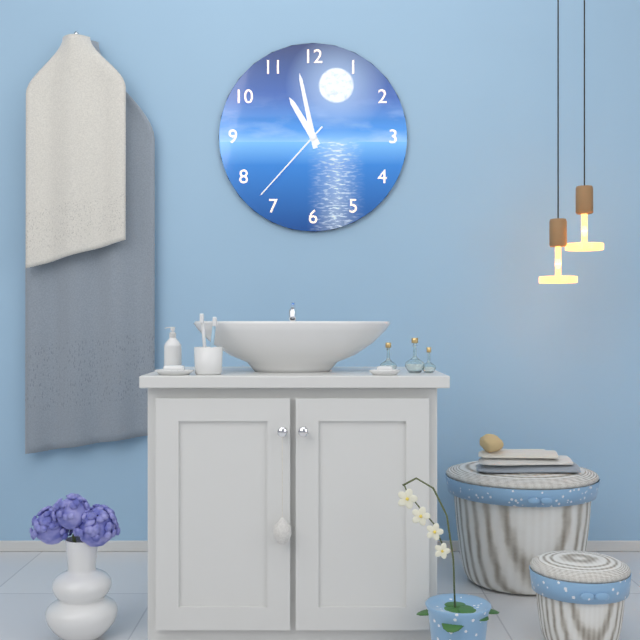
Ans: 10:58:37
